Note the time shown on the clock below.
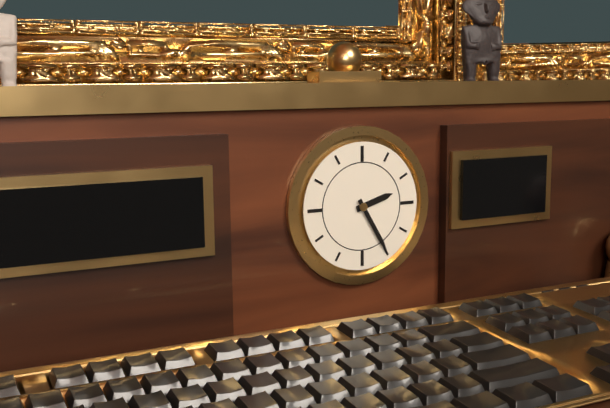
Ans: 2:25
